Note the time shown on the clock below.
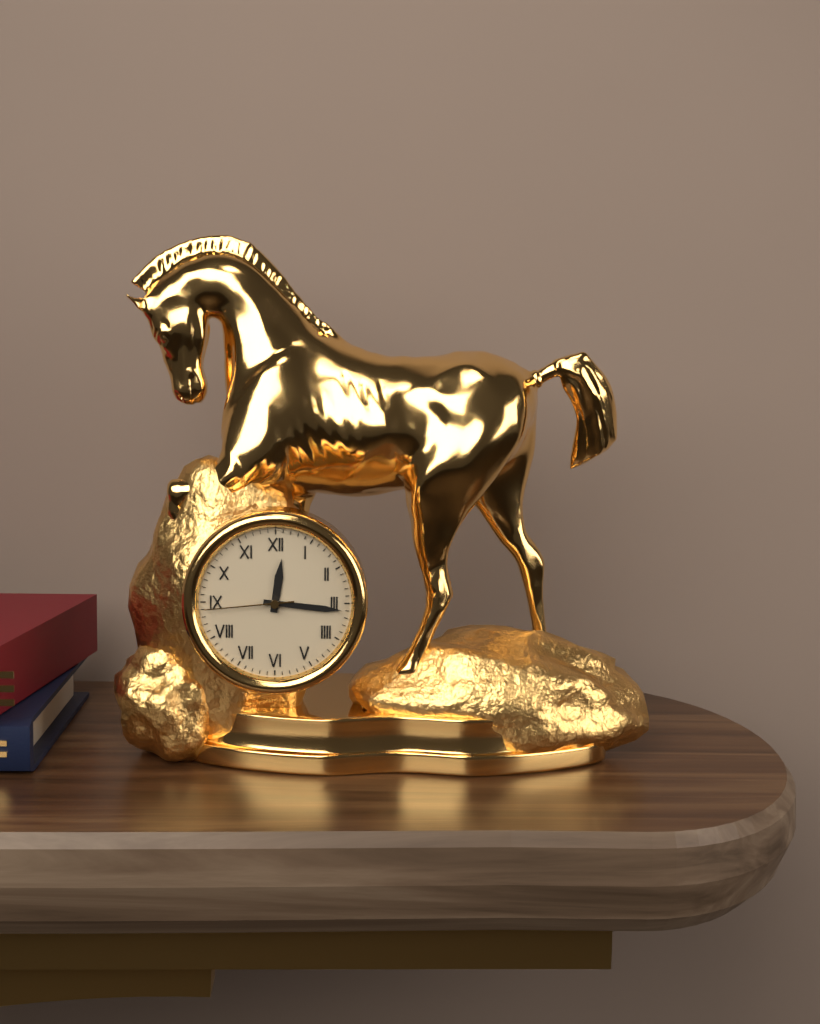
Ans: 12:16:44
